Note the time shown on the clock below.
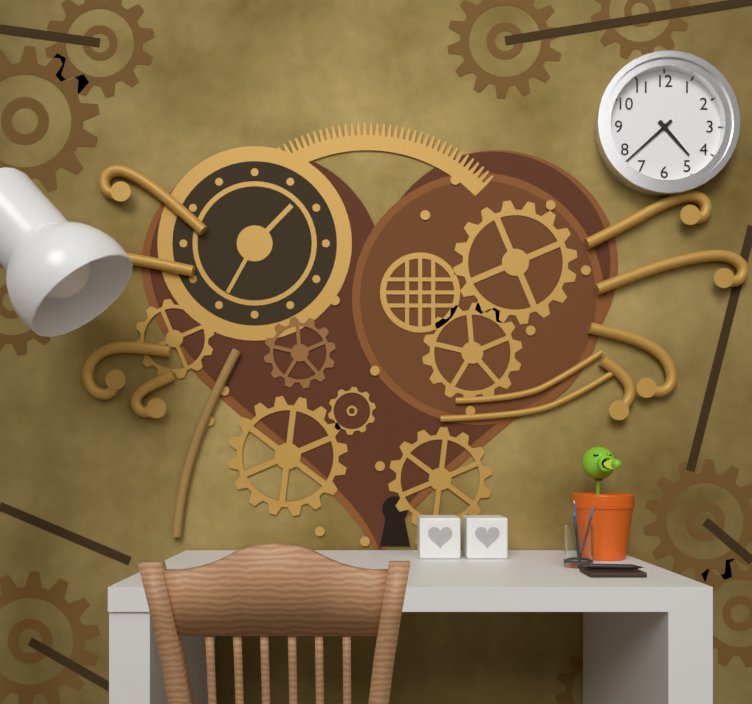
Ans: 4:38
